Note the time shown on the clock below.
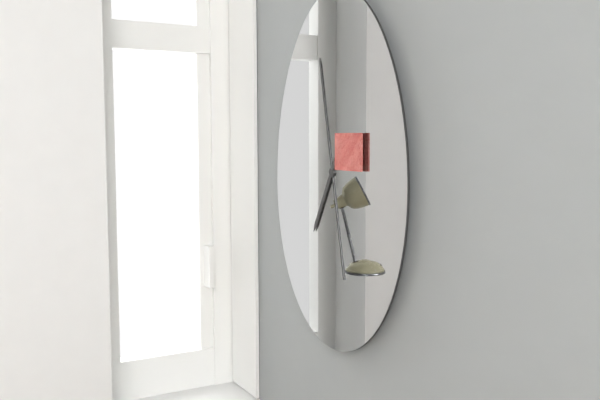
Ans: 6:58
